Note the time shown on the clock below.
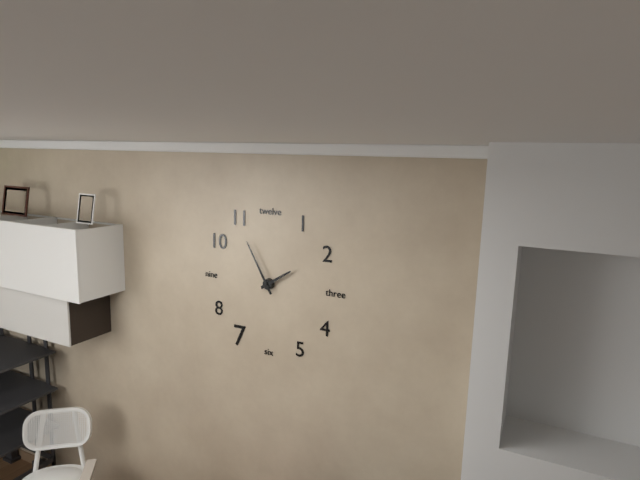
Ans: 1:55
